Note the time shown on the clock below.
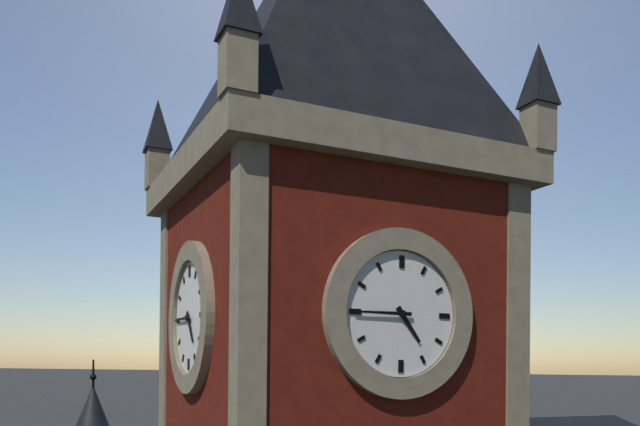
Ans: 4:45
